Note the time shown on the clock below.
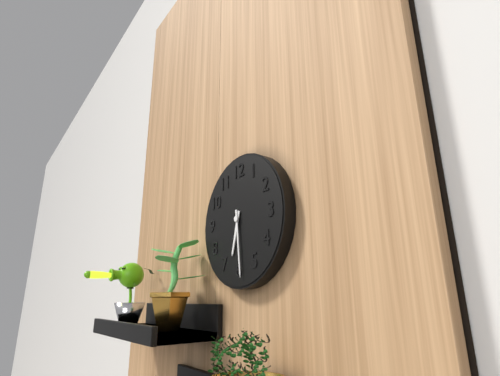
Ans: 6:29
